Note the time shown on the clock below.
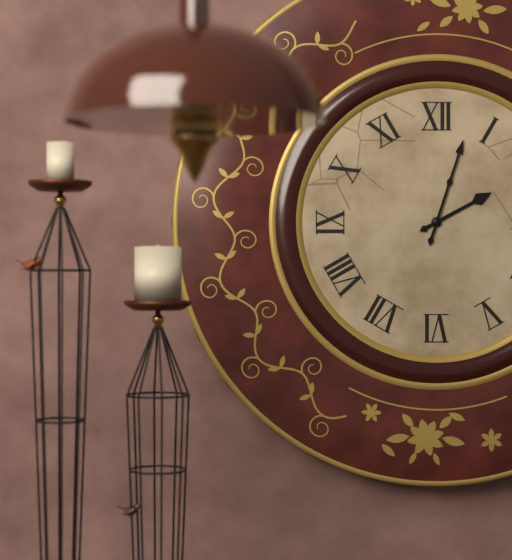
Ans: 2:03
